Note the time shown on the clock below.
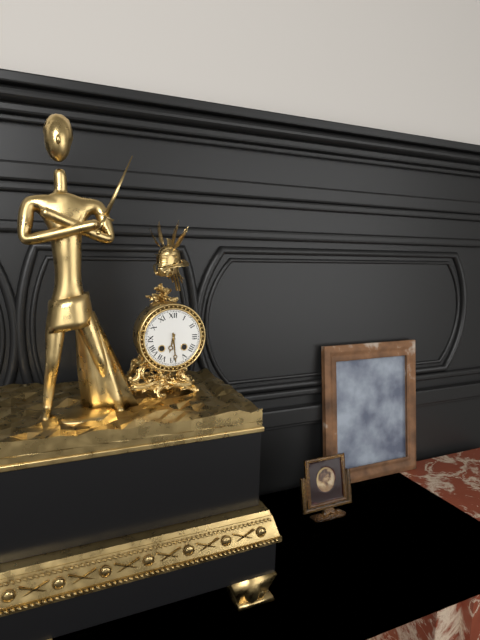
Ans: 6:29
